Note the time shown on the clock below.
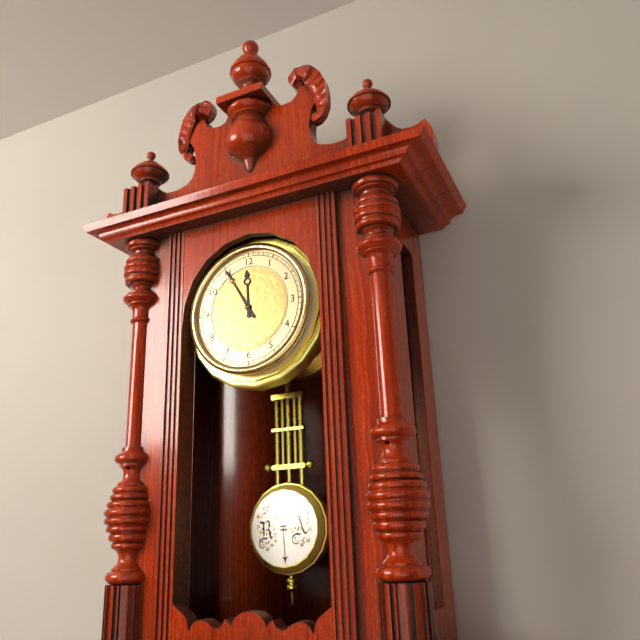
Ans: 11:55
